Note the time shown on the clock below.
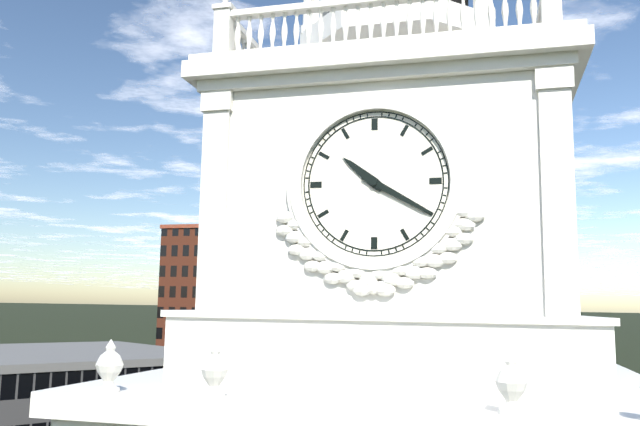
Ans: 10:20
